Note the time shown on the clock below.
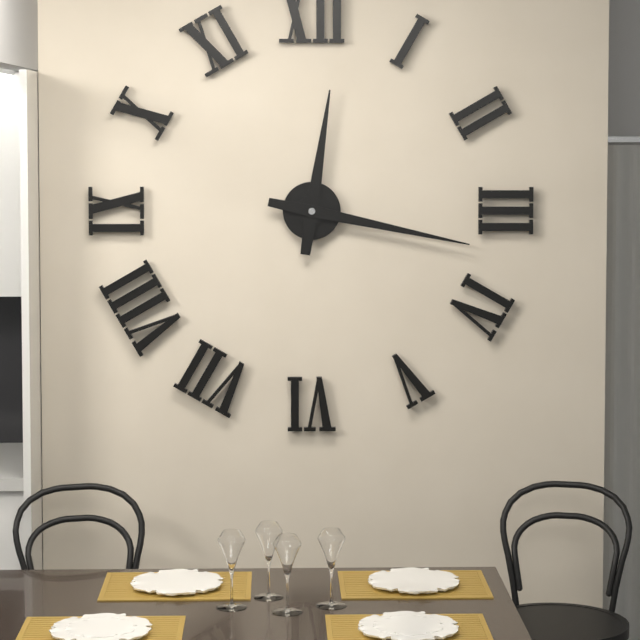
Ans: 12:17
